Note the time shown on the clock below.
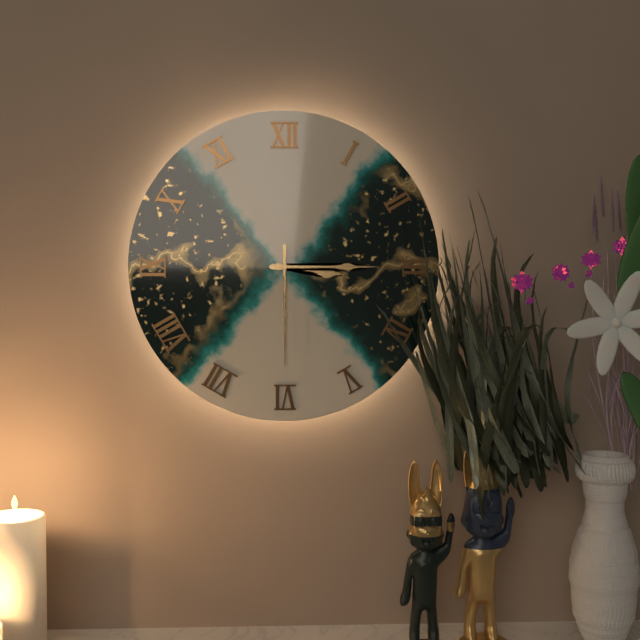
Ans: 3:15:30
